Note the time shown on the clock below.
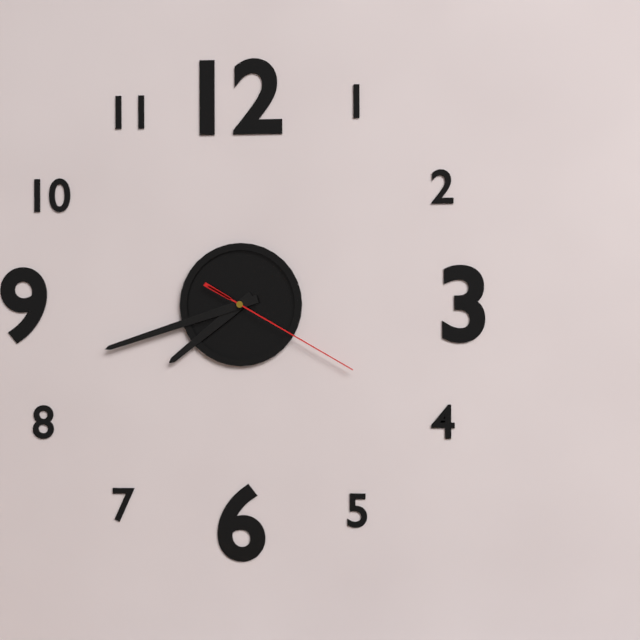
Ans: 7:42:20
